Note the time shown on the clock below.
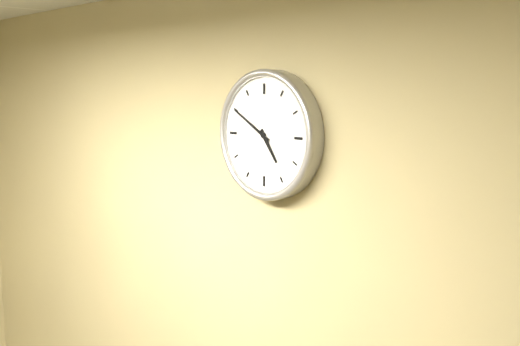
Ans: 4:50
